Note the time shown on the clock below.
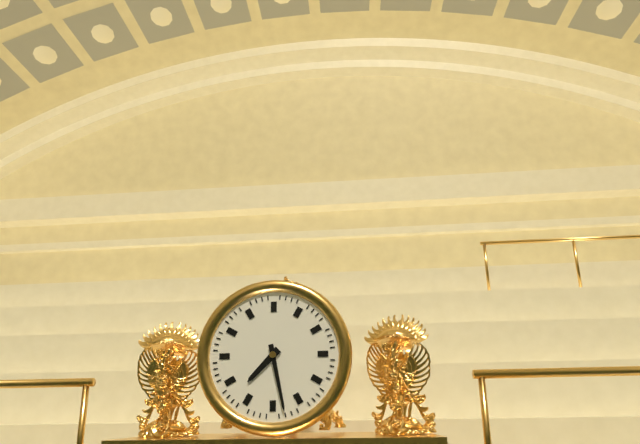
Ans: 7:28
